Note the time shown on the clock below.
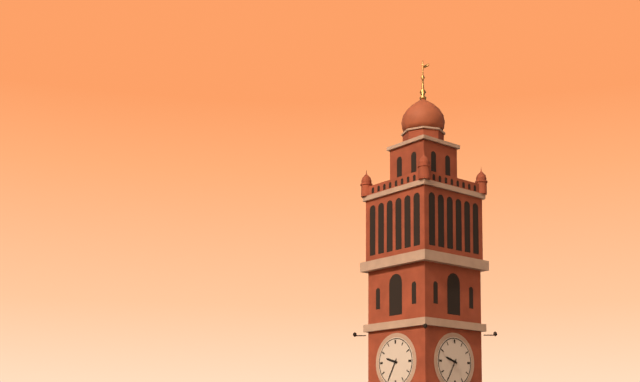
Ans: 9:35
